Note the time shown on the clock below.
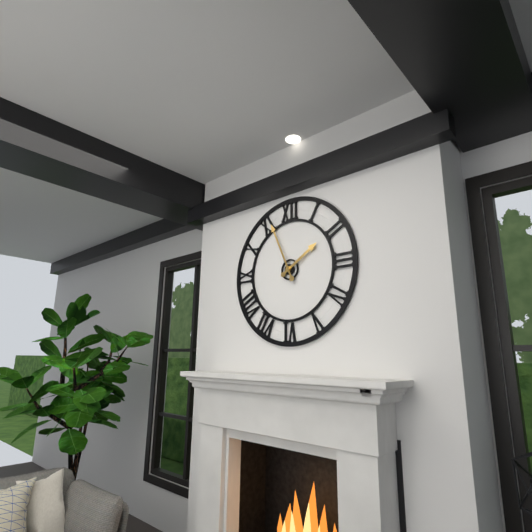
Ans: 1:56
